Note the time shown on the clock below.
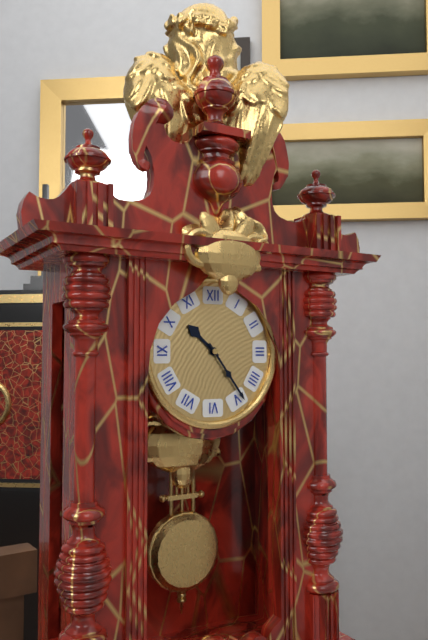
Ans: 10:24
